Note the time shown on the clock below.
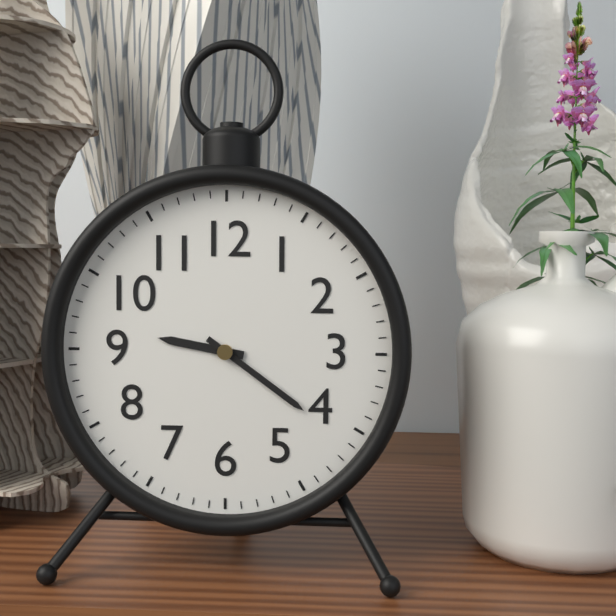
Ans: 9:21
